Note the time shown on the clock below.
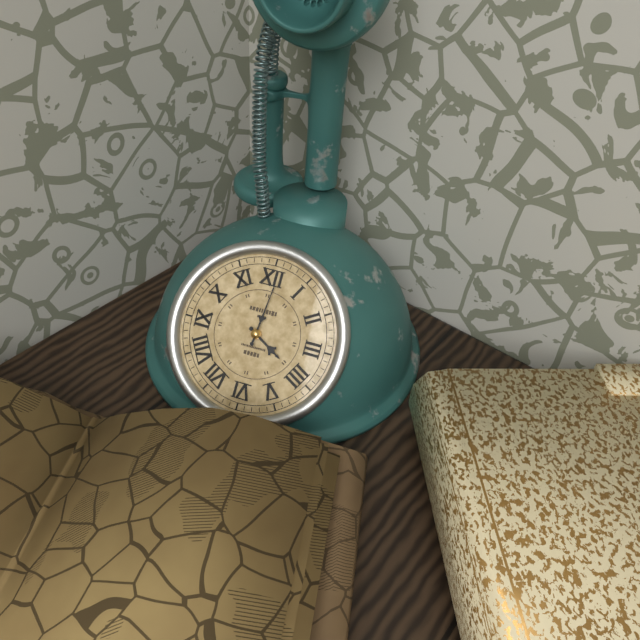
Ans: 4:01
